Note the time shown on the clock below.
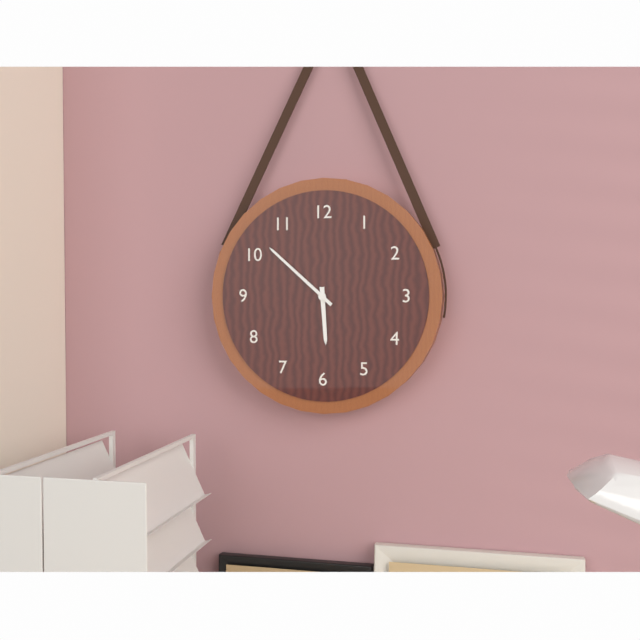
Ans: 5:52
